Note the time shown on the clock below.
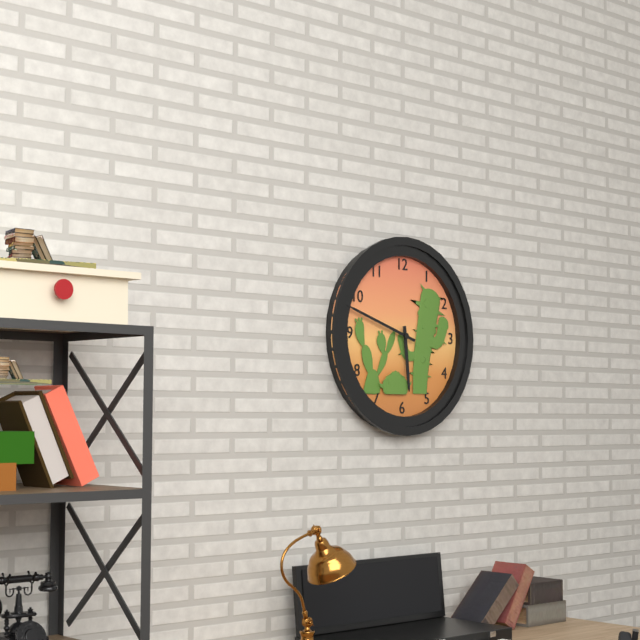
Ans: 5:48
